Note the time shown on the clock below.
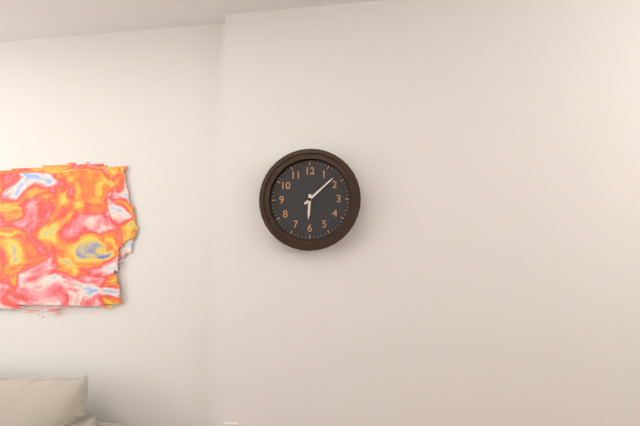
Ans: 6:08
